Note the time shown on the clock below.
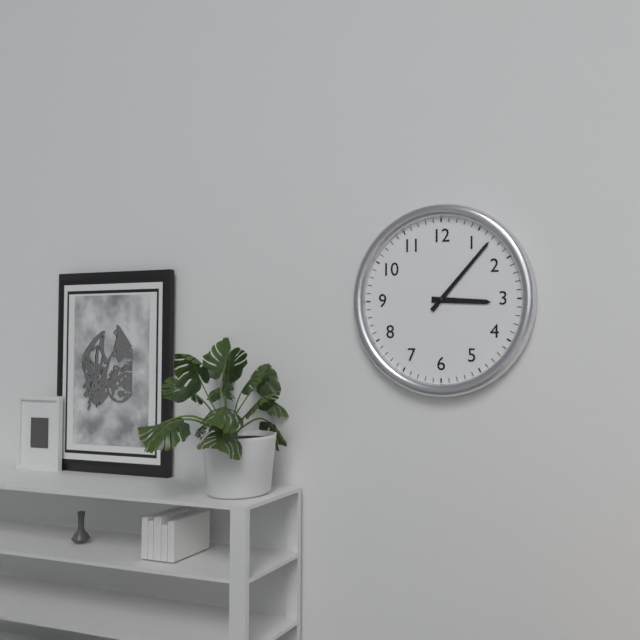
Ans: 3:07
